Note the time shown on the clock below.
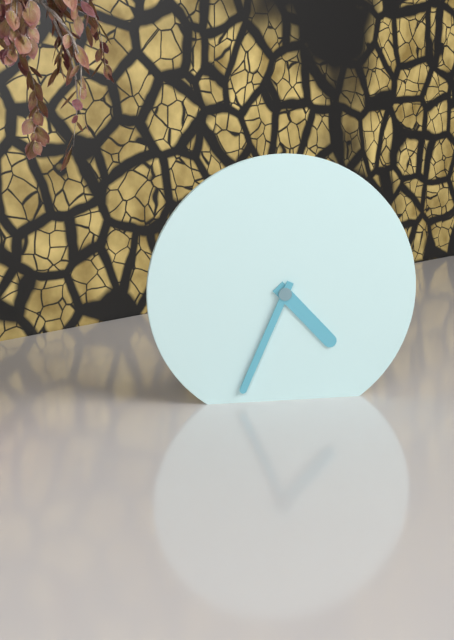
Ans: 4:34
